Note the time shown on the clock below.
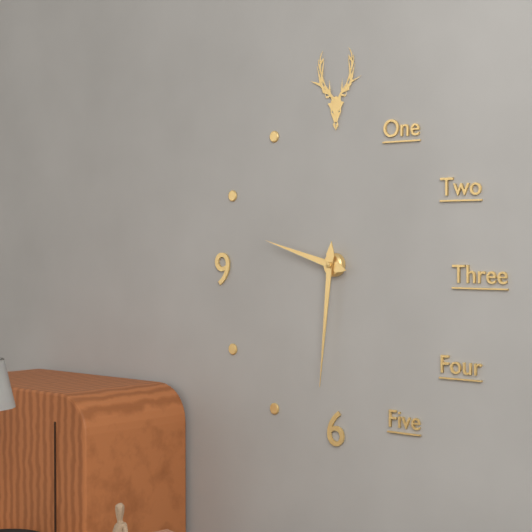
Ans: 9:31
